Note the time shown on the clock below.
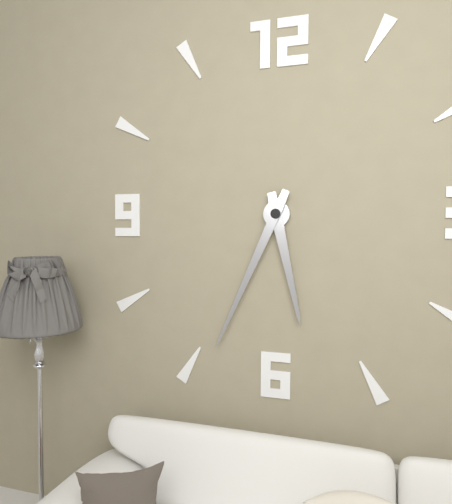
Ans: 5:34
